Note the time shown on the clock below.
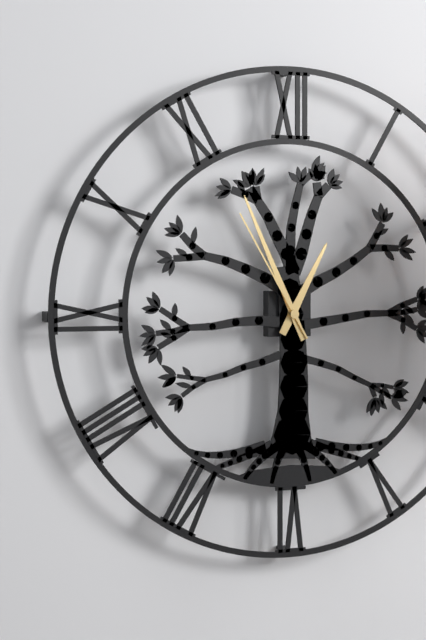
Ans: 12:56:55
